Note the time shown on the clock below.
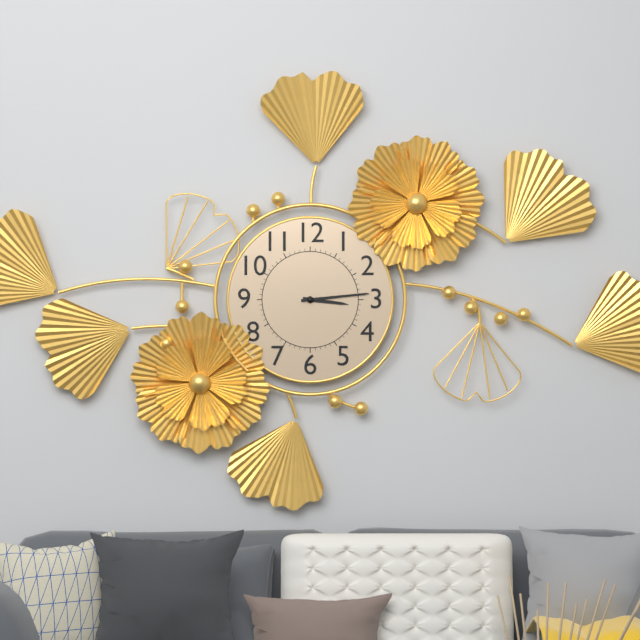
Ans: 3:14
